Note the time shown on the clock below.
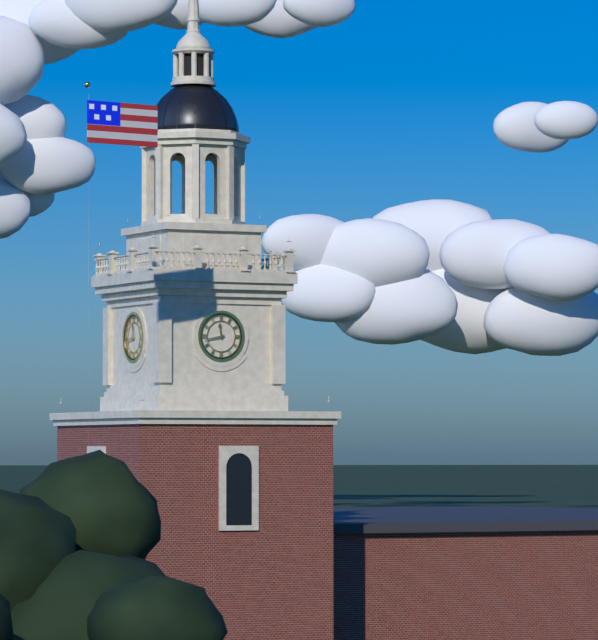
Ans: 11:43
